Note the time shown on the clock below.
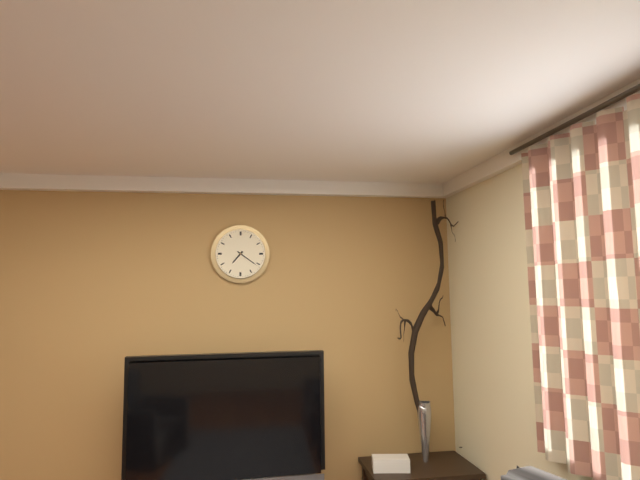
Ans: 7:21
